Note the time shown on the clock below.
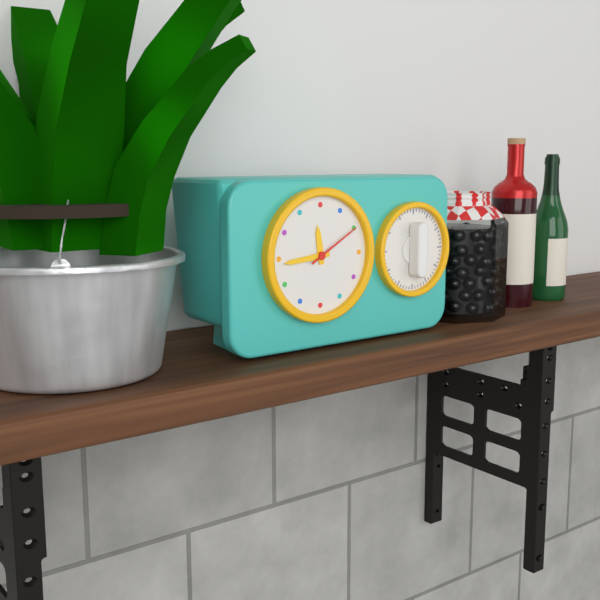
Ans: 11:44:10
